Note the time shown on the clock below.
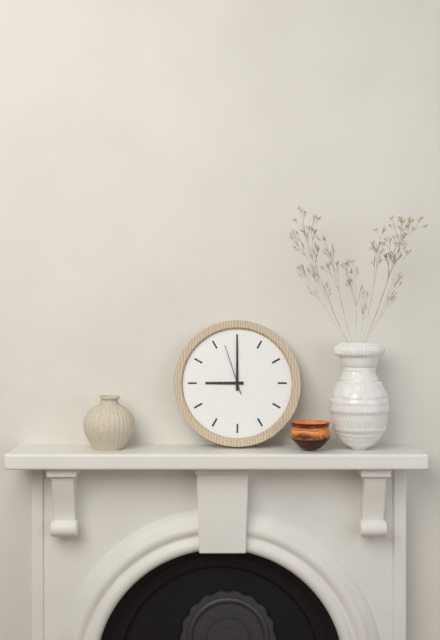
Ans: 9:00:57
